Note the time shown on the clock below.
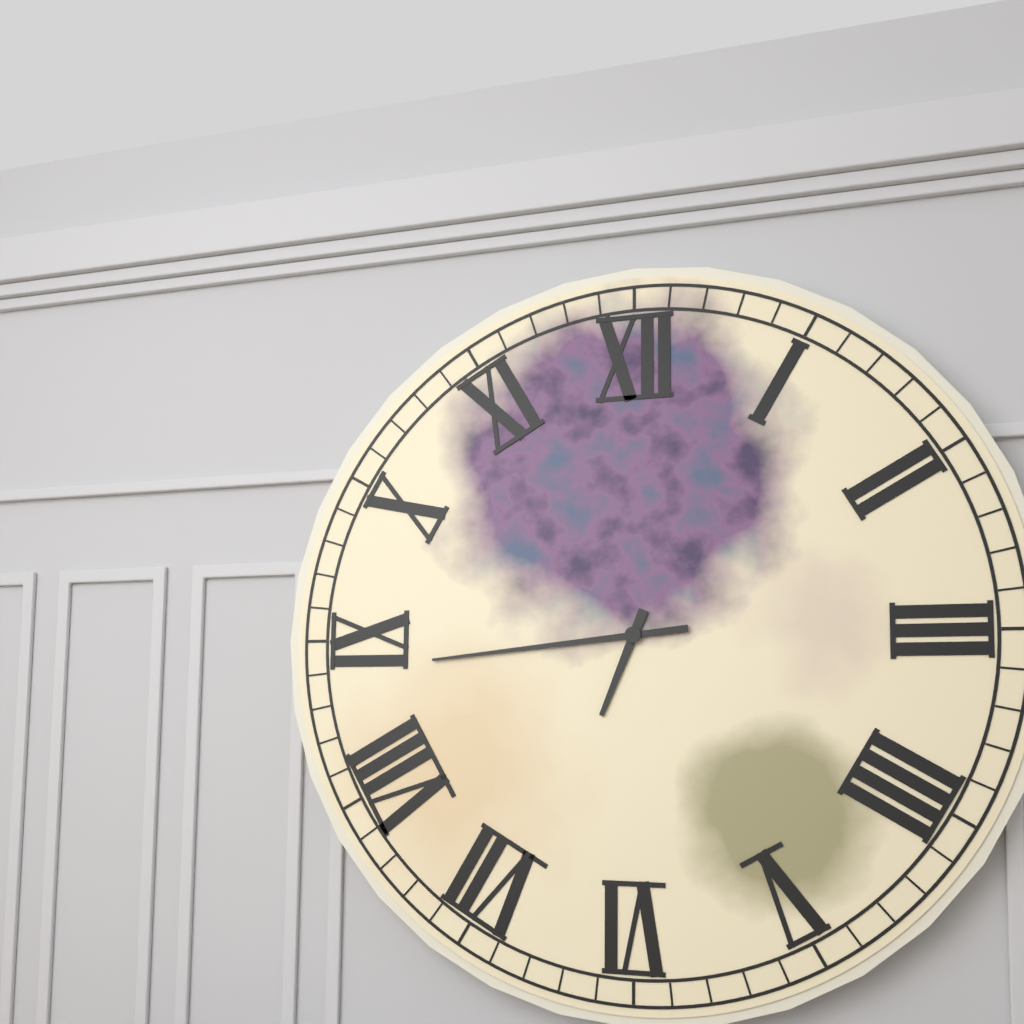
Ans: 6:44
